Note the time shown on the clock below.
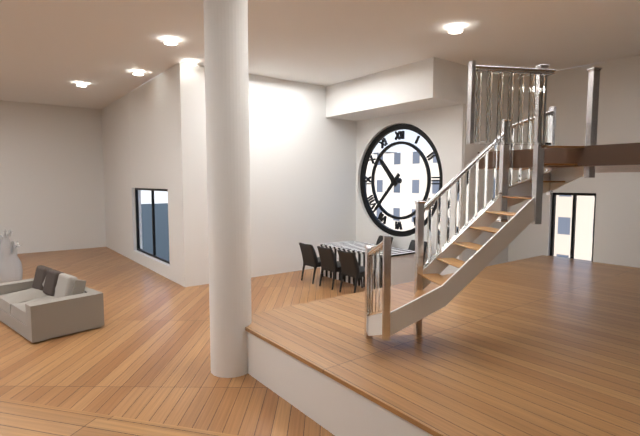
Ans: 10:37
